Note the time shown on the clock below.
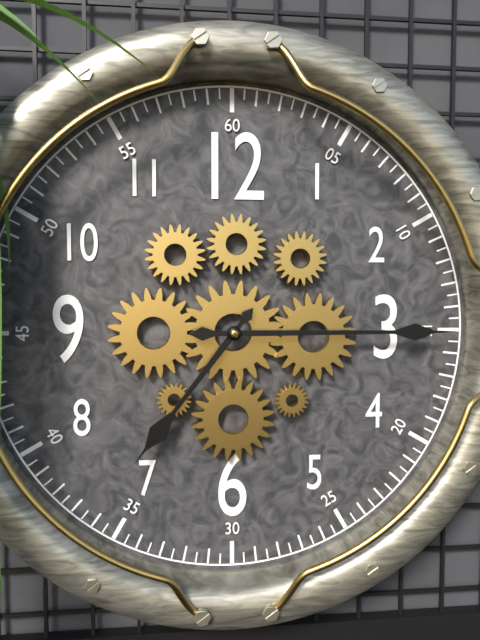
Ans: 7:15
